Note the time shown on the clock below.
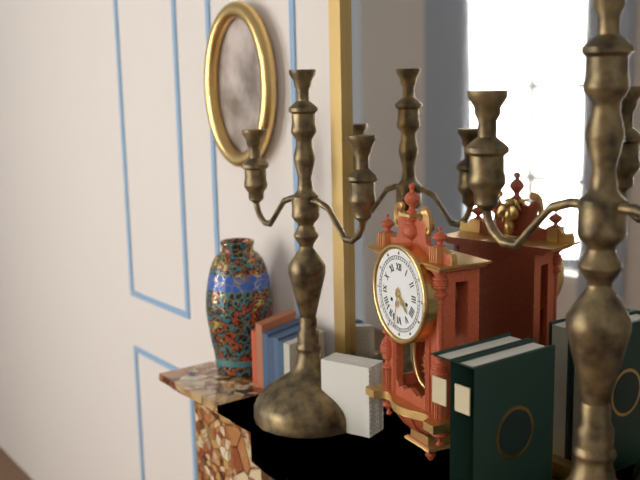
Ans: 4:32
